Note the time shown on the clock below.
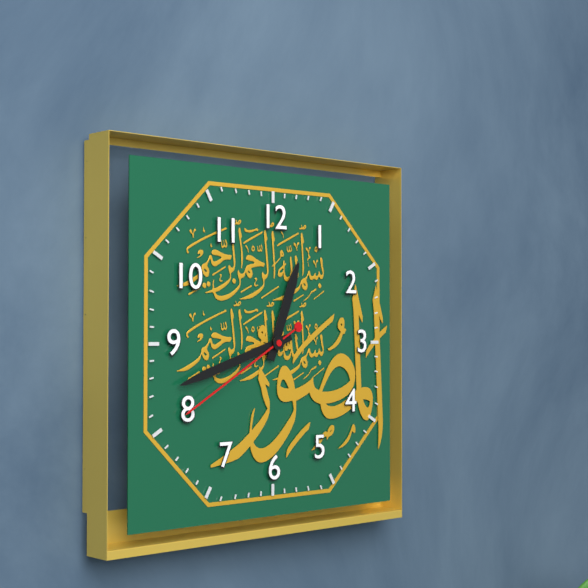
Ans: 12:42:40
